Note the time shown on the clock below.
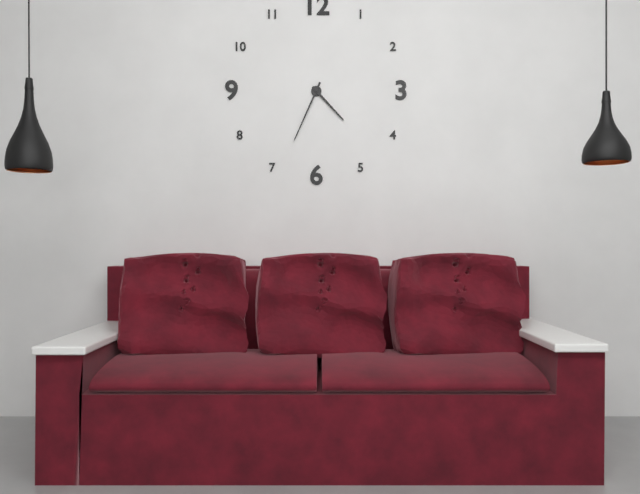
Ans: 4:34
